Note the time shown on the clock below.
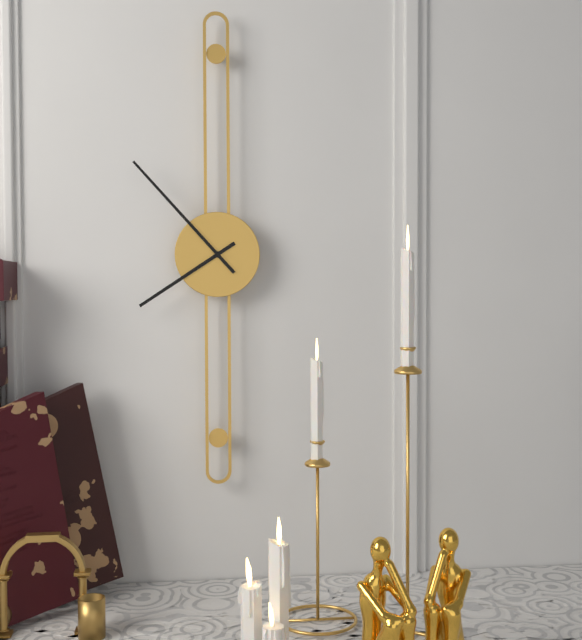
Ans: 7:53
